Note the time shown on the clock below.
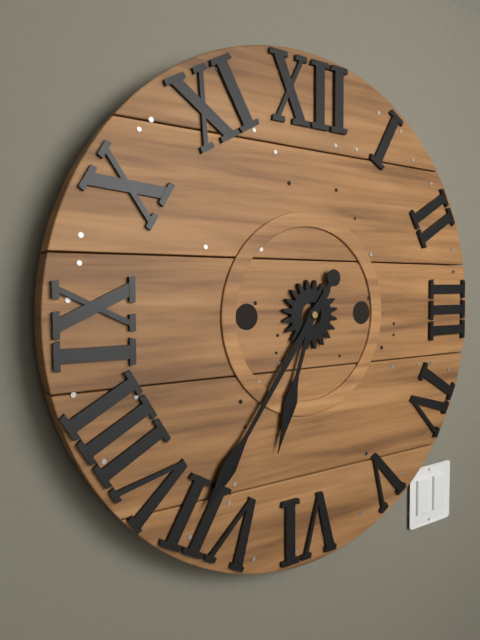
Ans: 6:36
